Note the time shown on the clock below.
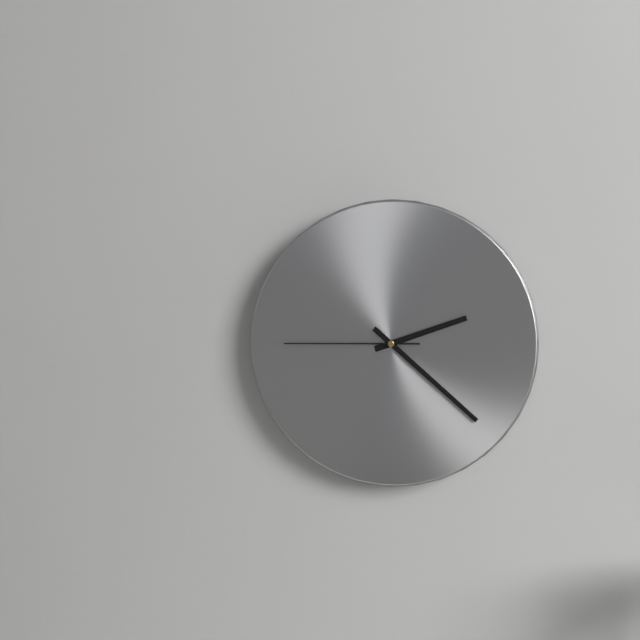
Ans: 2:22:45
